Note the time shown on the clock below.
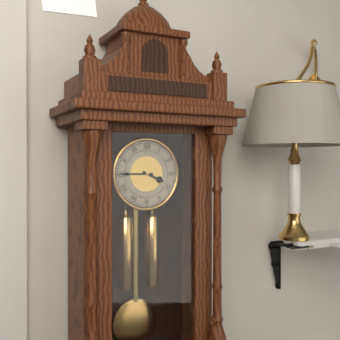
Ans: 3:45
